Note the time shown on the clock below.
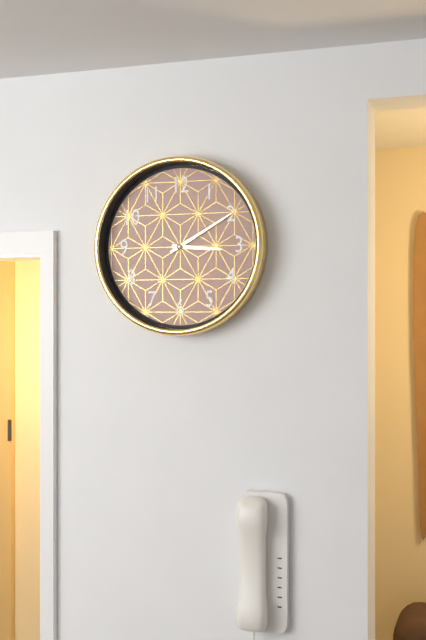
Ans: 3:10
